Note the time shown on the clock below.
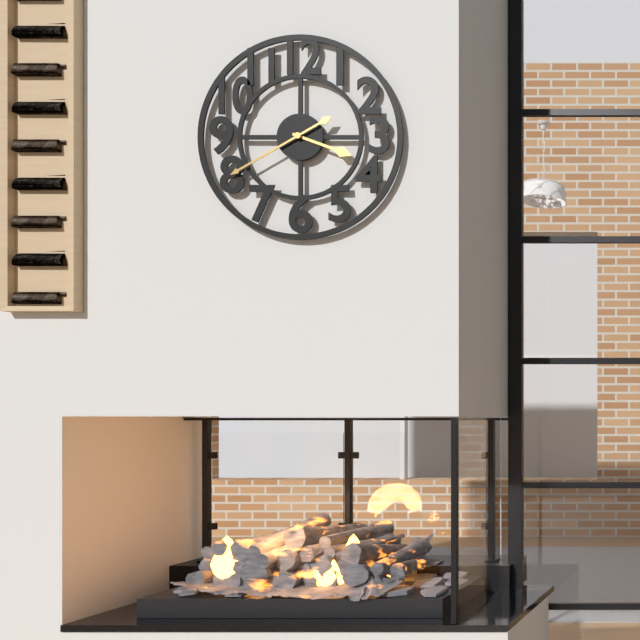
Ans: 3:40
